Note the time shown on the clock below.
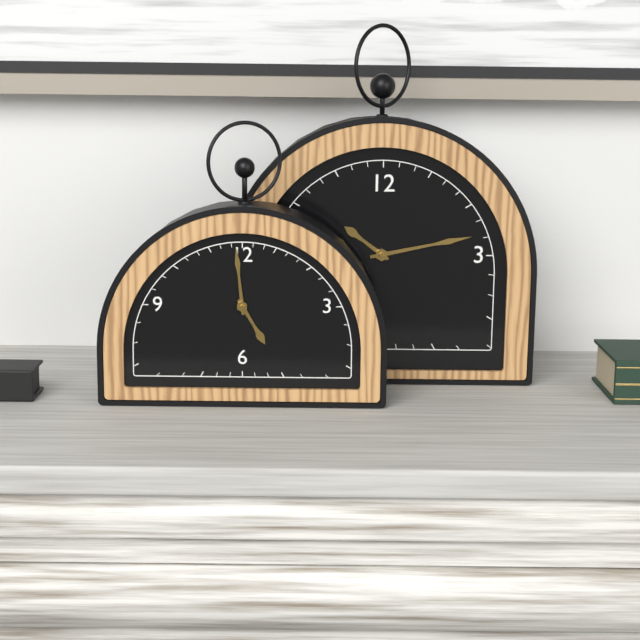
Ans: 4:59
